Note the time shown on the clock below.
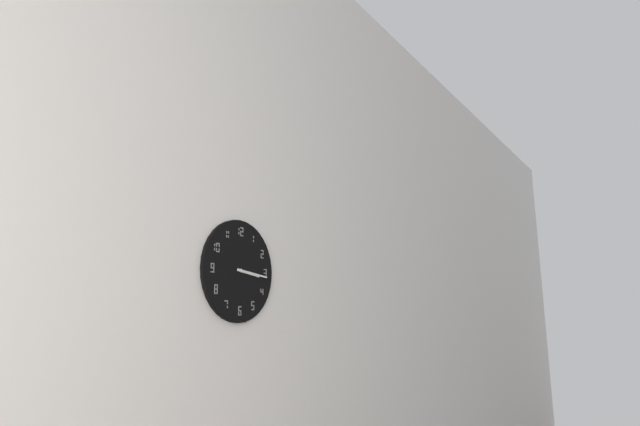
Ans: 3:16
